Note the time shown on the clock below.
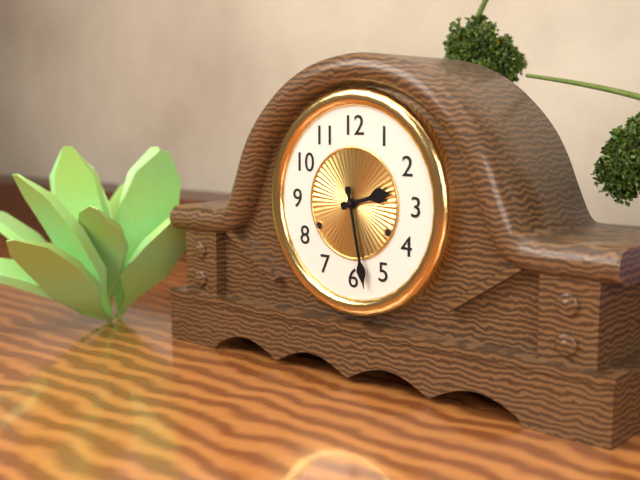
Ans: 2:28
